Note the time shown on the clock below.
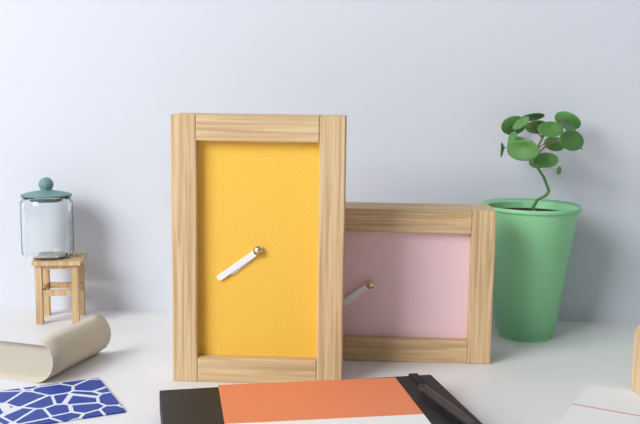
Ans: 7:39
